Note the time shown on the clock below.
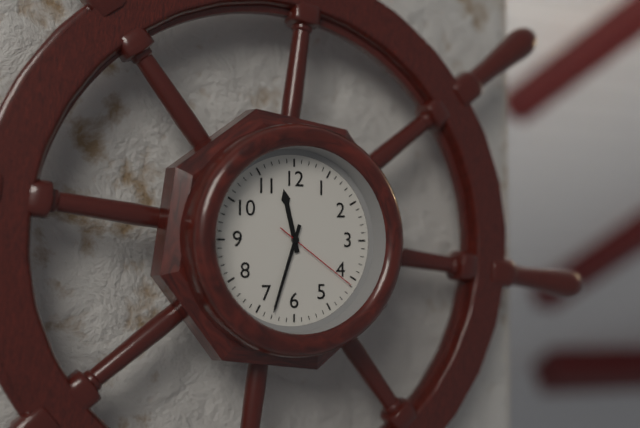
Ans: 11:33:21
